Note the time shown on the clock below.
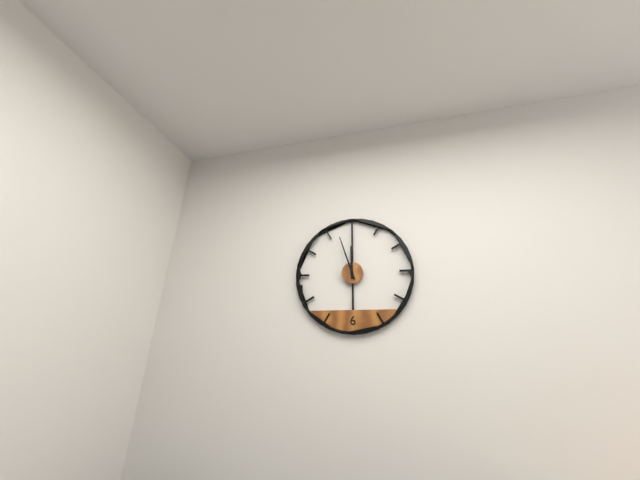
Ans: 11:57
